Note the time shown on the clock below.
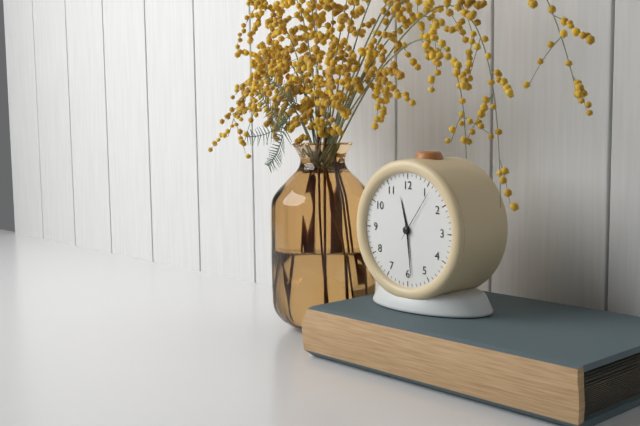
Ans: 11:29:06
